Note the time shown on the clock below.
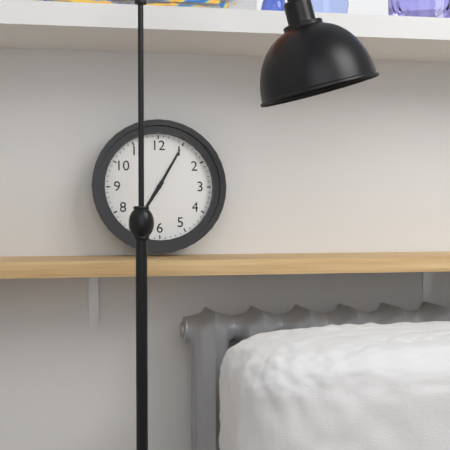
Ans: 7:05
